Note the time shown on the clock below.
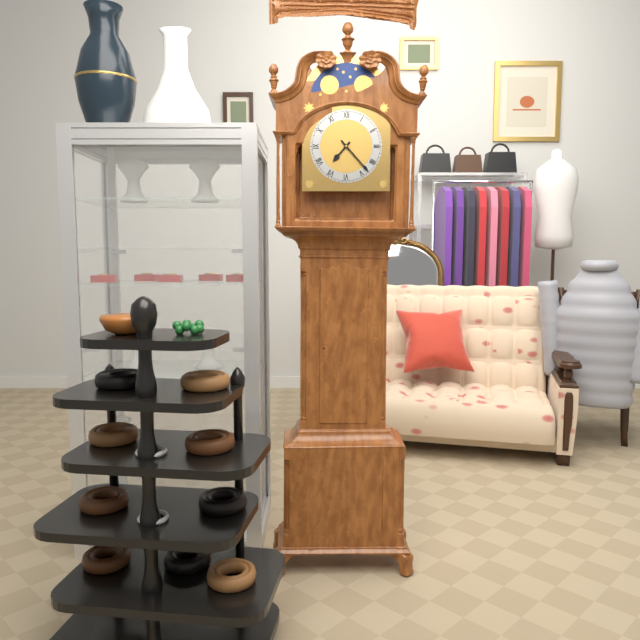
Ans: 7:23
